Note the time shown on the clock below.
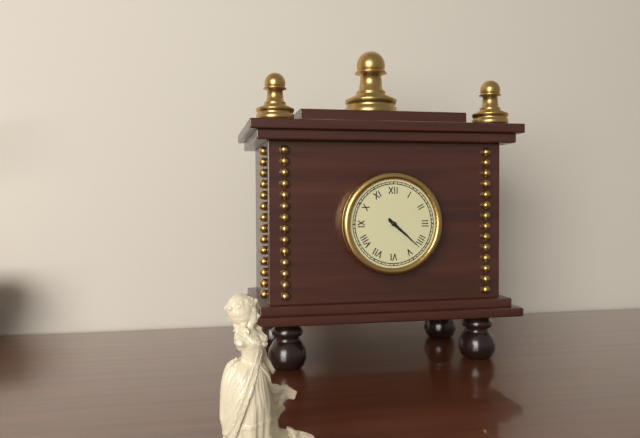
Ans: 4:22
